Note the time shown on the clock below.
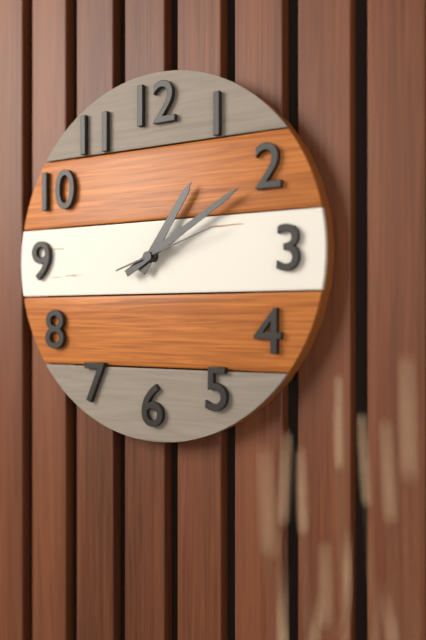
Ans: 1:10:12
